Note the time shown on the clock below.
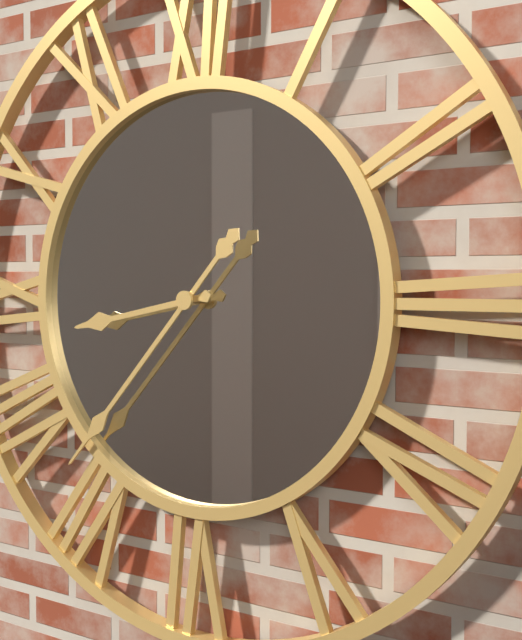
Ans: 8:37
